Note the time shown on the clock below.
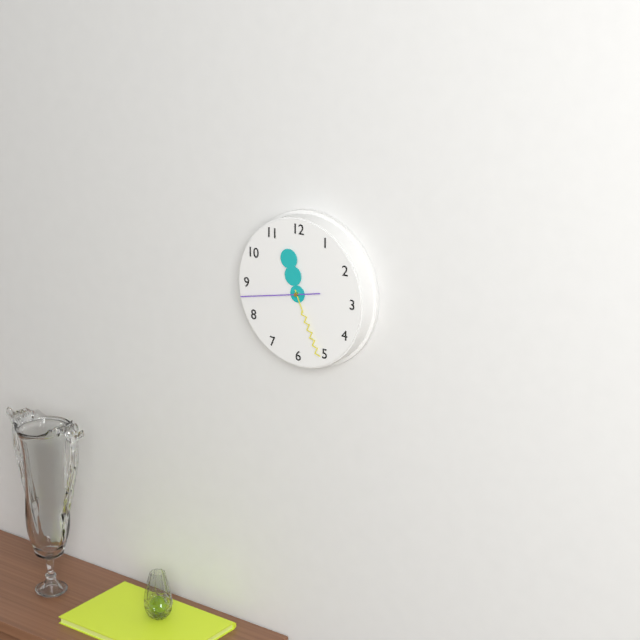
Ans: 11:26:43
